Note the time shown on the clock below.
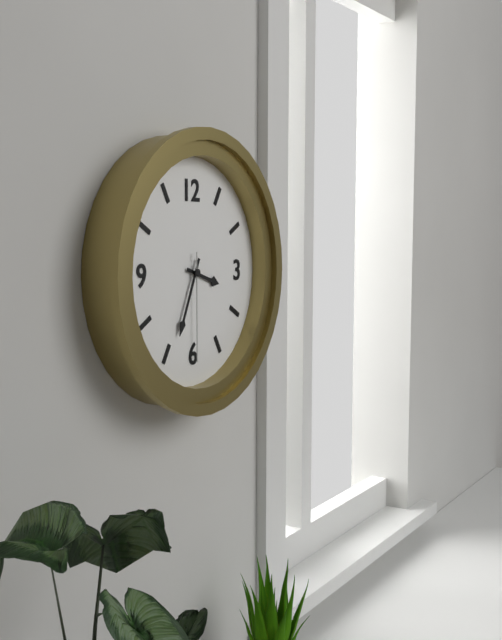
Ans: 3:34:30
